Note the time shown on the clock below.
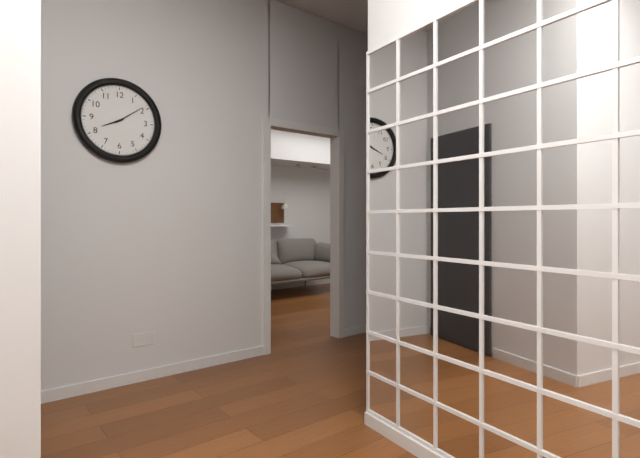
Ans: 8:09
